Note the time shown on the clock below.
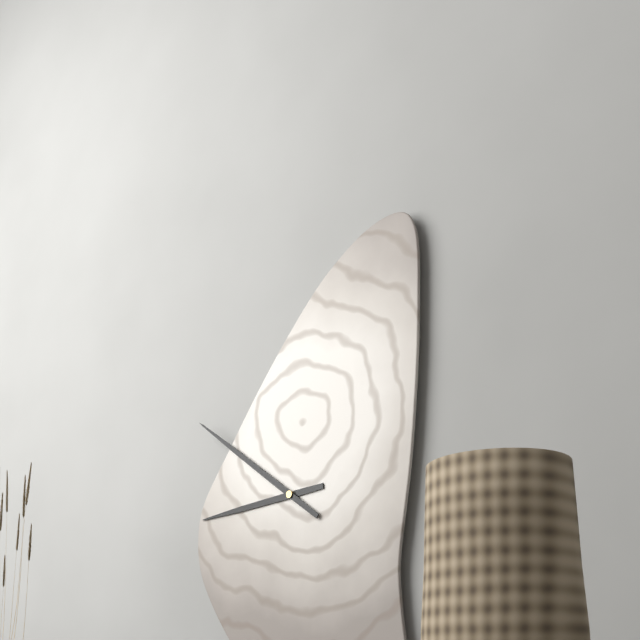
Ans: 8:51
